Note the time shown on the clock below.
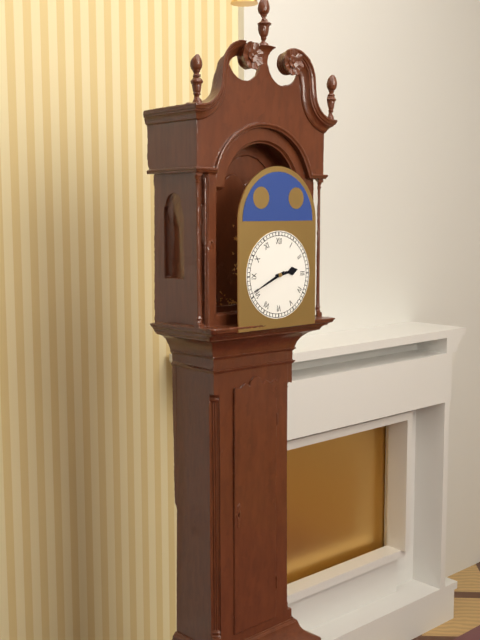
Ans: 2:41
